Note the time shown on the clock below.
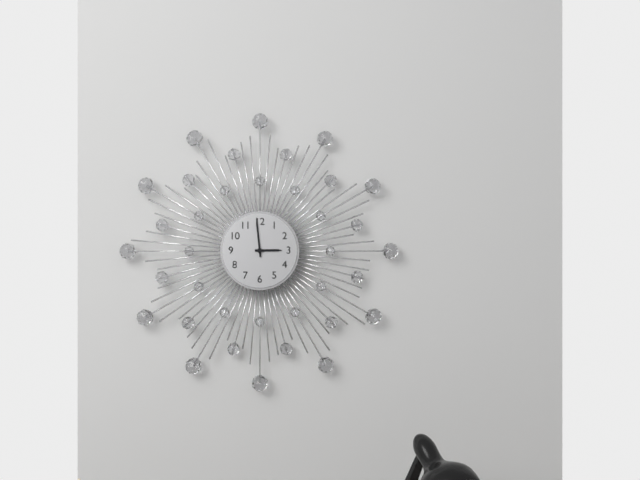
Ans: 2:59
